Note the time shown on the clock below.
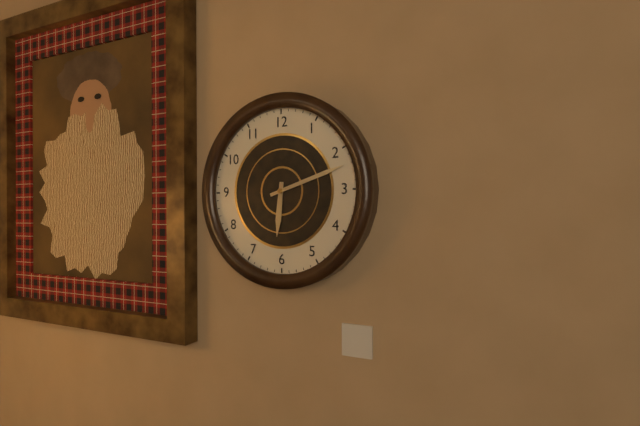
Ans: 6:12
